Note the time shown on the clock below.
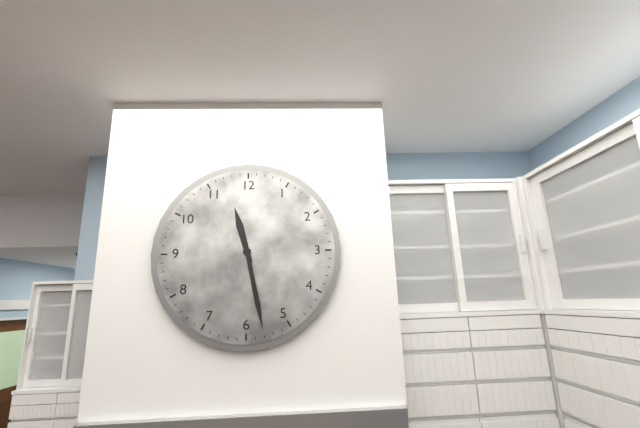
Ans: 11:28
